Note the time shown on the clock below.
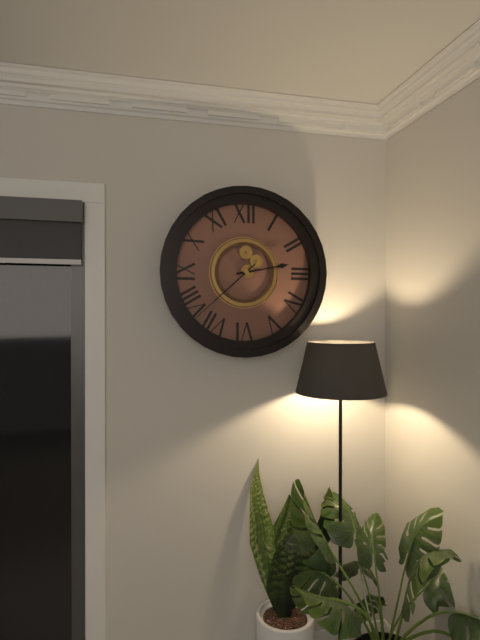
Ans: 2:38
